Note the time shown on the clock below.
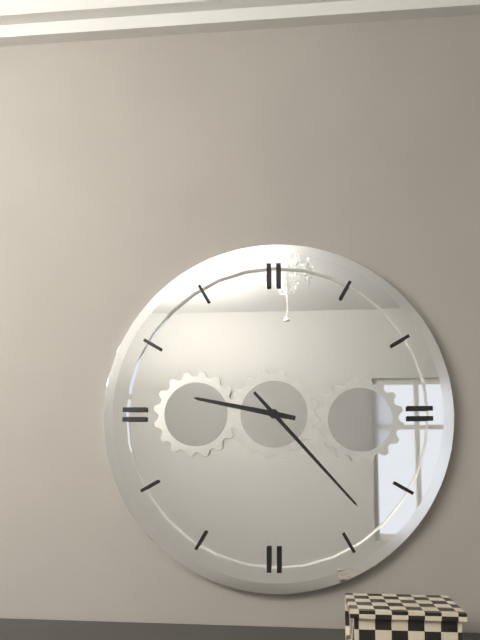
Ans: 9:23
